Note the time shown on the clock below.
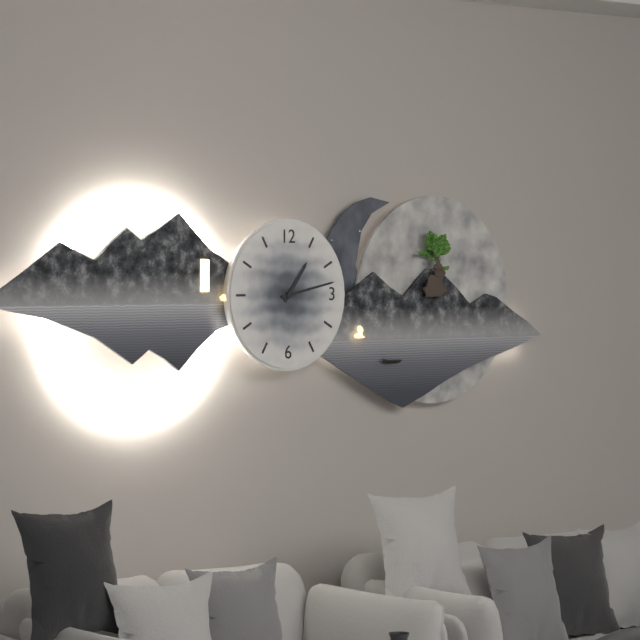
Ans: 1:13
